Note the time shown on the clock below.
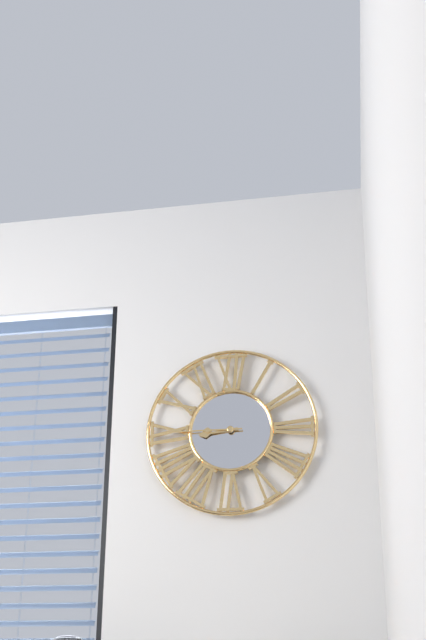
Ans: 8:45
